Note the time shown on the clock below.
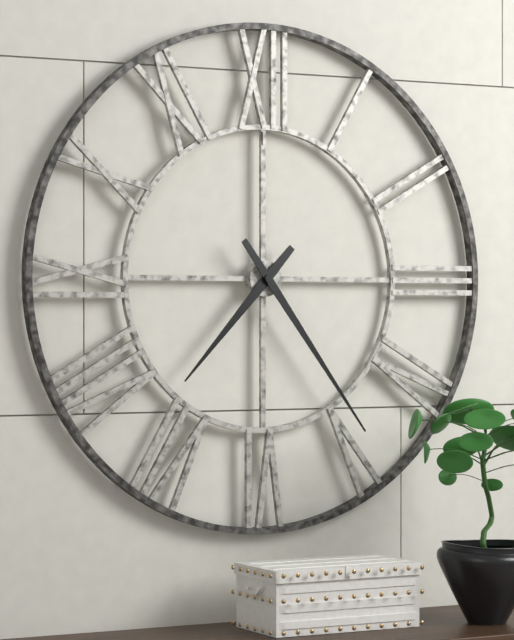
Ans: 7:24
